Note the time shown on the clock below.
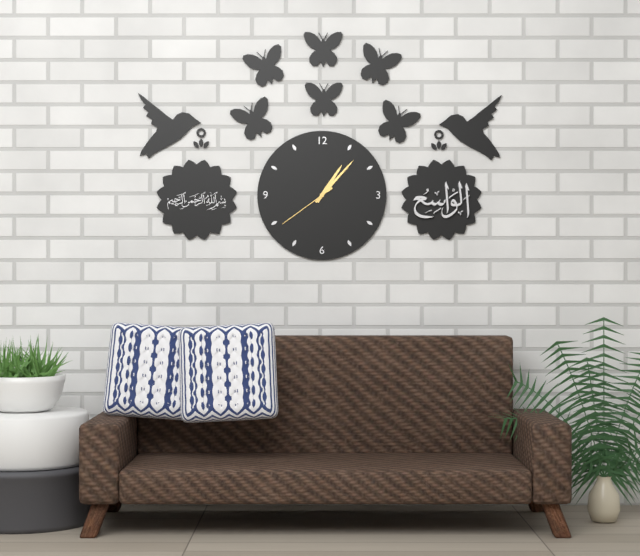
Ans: 1:07:39
